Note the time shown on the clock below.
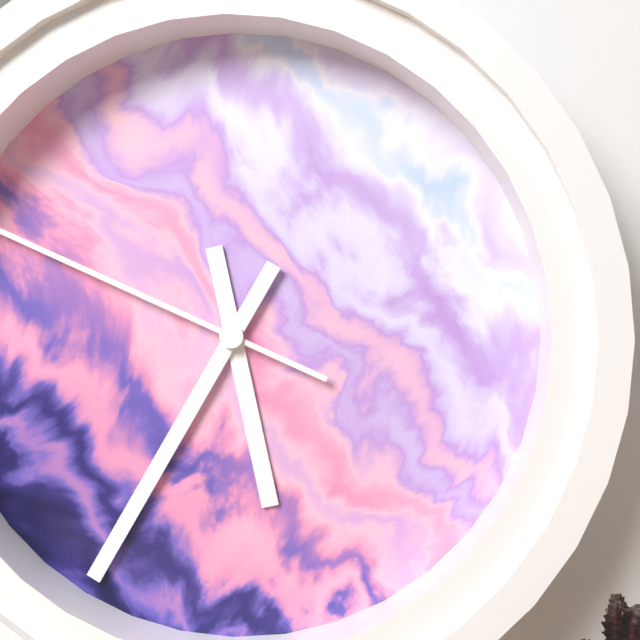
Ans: 5:35
